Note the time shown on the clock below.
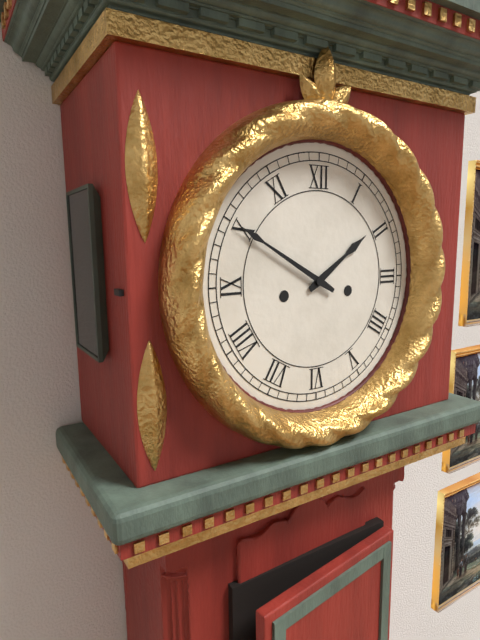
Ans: 1:50
